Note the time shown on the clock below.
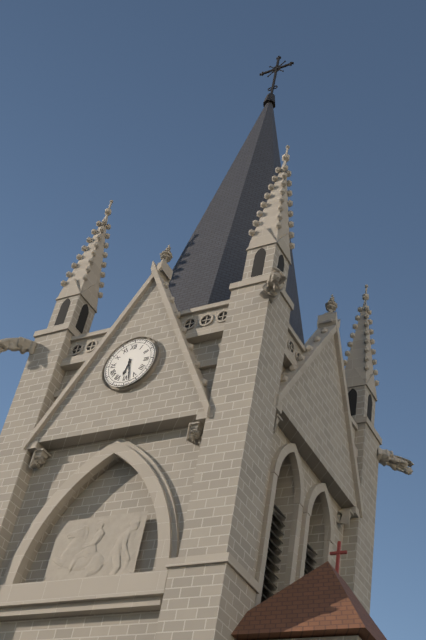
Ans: 6:28
